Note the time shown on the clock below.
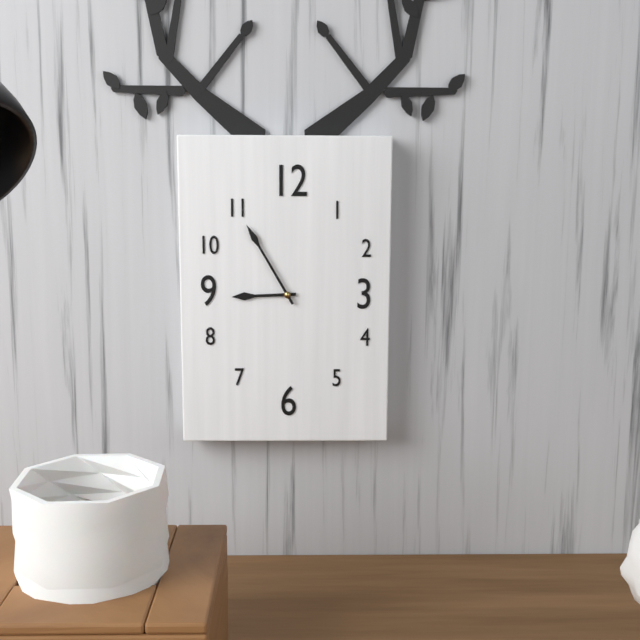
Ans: 8:55
